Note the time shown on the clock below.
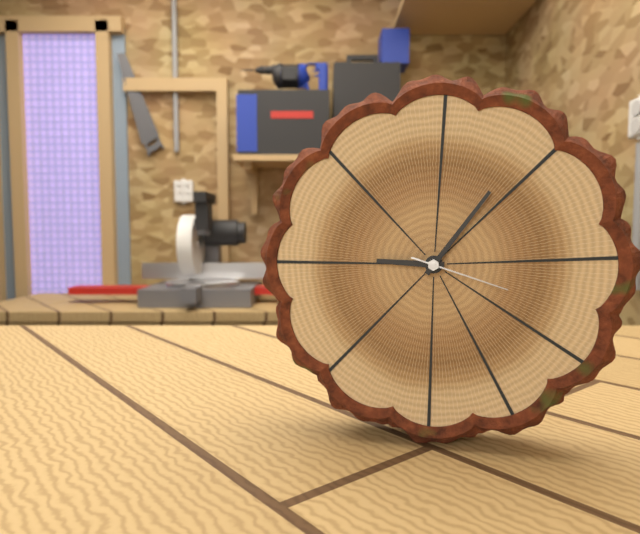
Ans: 9:06:18
